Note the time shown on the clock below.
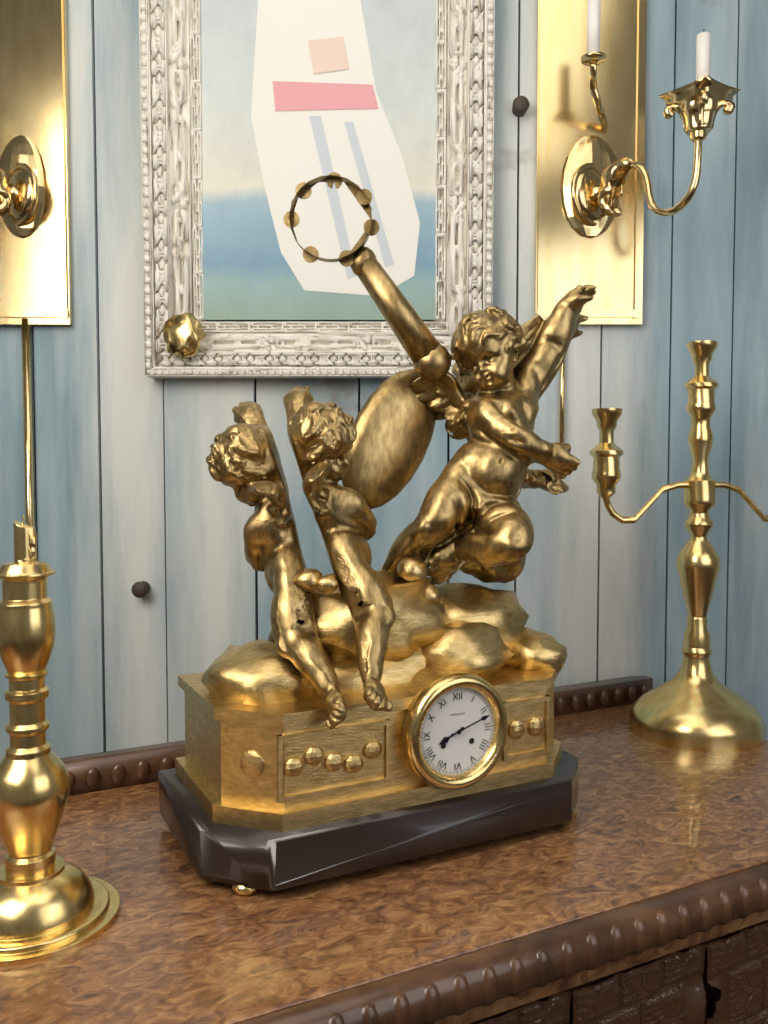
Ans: 8:12
